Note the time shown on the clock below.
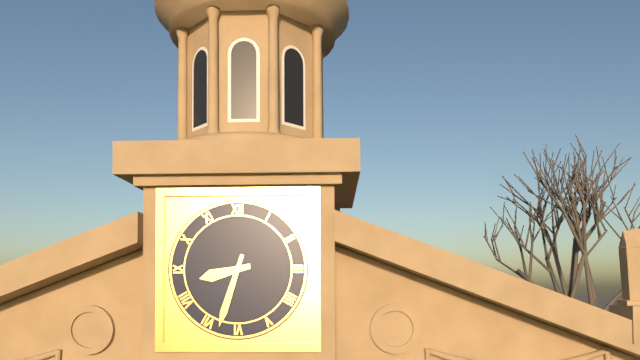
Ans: 8:33
